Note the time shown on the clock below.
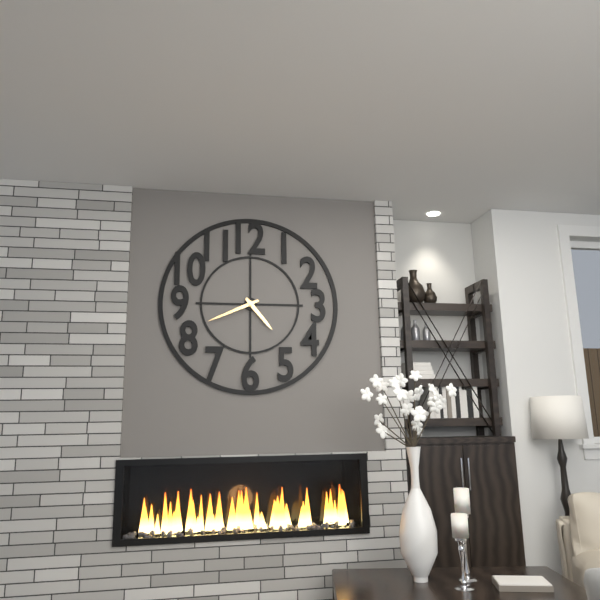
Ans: 4:41
